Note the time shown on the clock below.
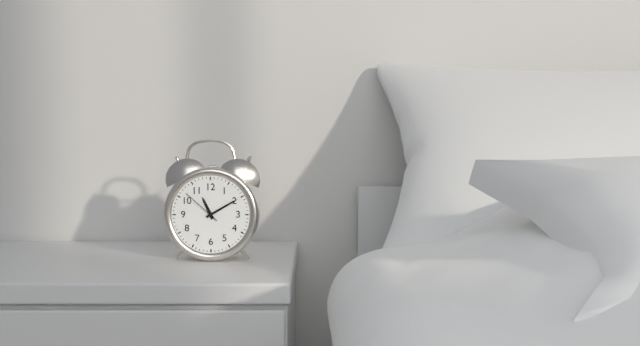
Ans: 11:10
